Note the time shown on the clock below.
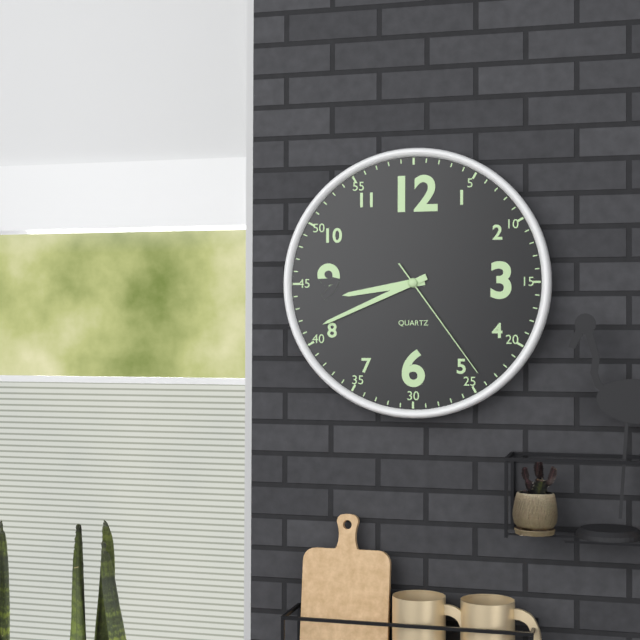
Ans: 8:41:24
